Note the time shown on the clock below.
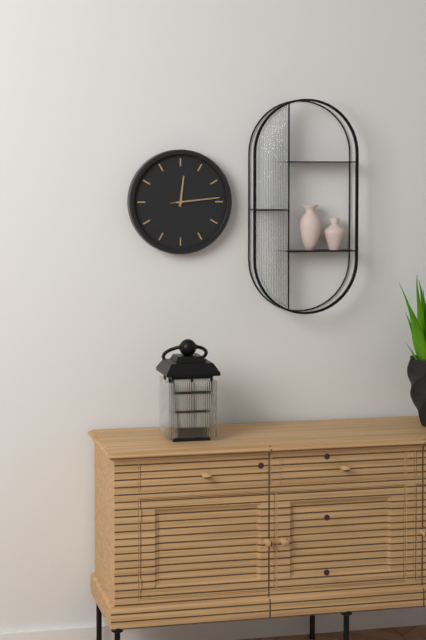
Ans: 12:14
